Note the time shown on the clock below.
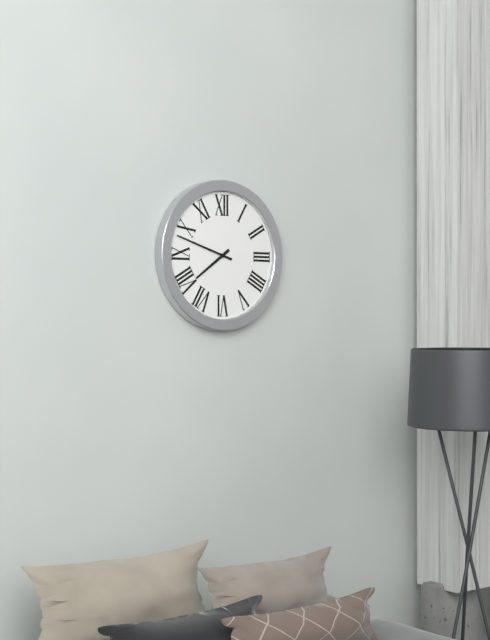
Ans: 7:48
